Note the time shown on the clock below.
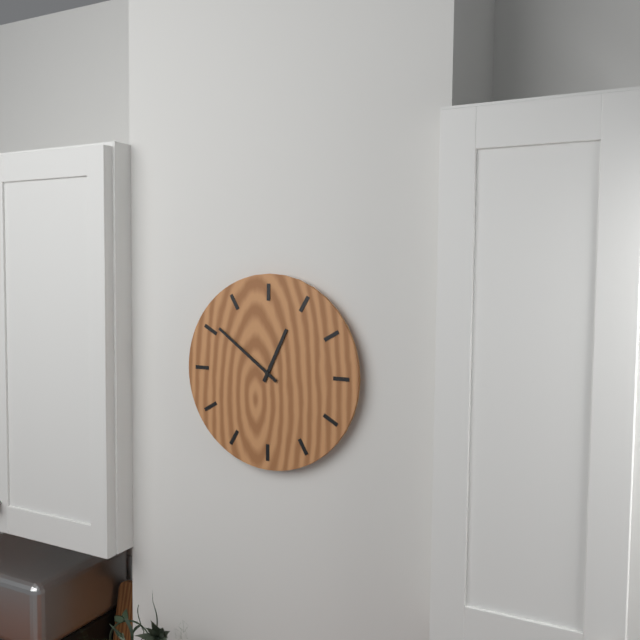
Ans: 12:51
